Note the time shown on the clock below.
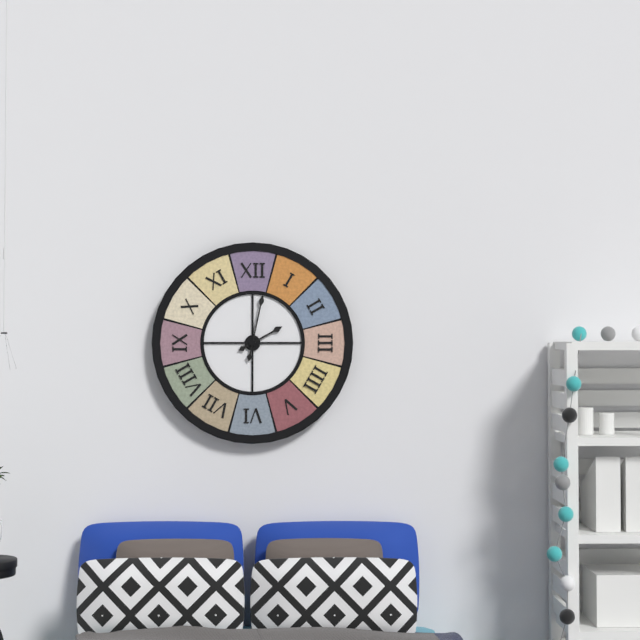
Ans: 2:02
